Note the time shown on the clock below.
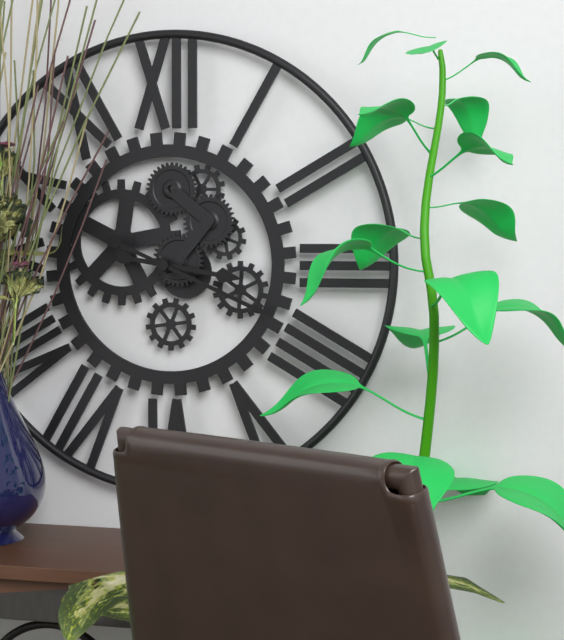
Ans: 3:19
